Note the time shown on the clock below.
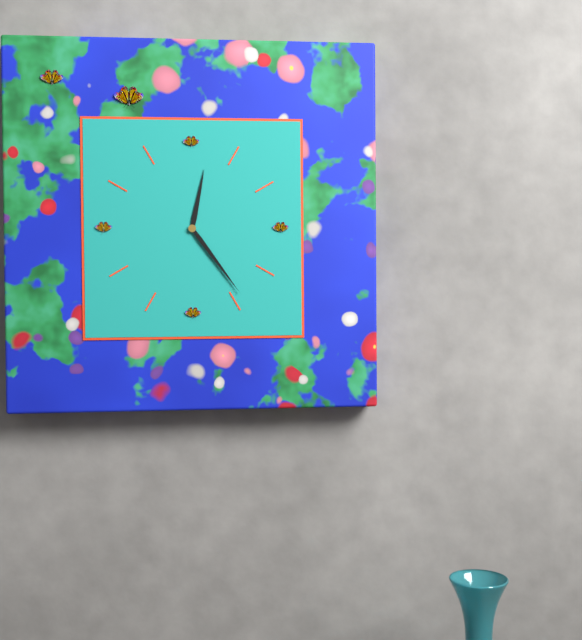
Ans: 12:24
